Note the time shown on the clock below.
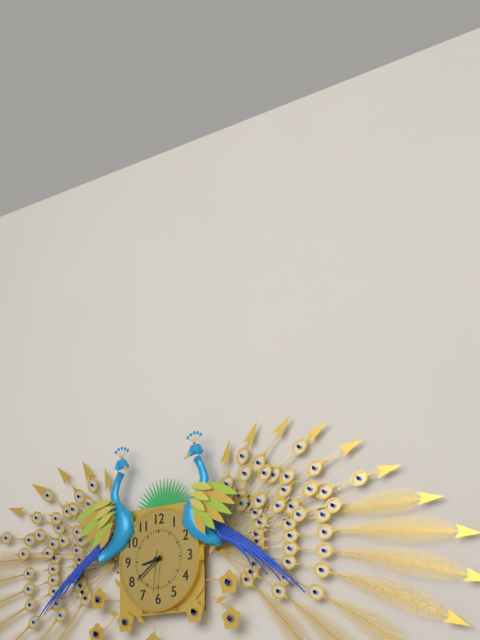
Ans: 8:39
